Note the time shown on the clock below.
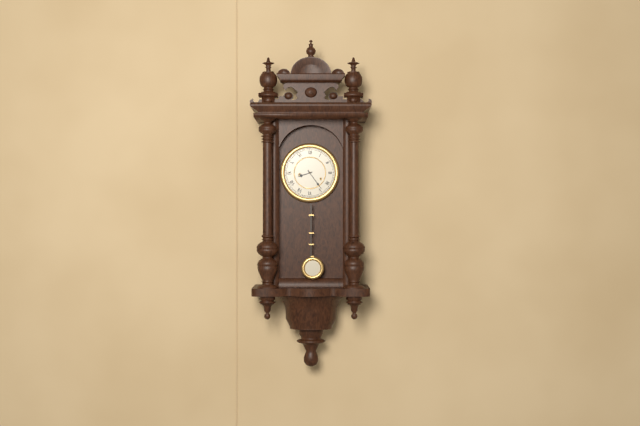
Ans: 8:24
